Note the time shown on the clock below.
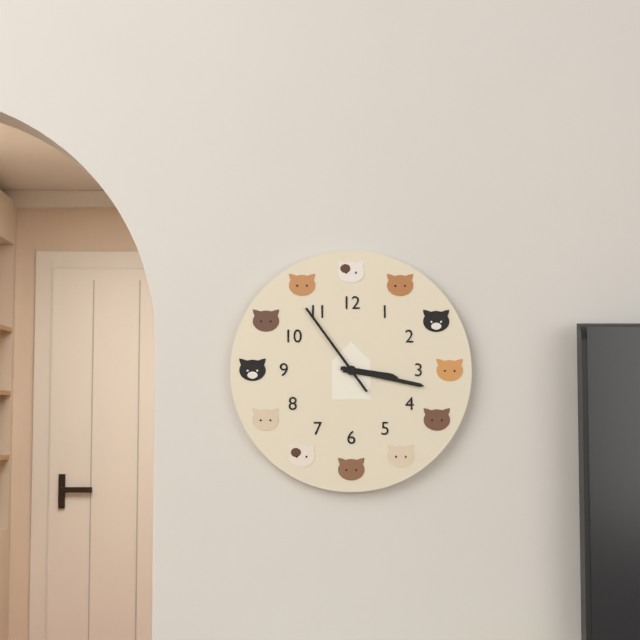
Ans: 3:17:54
